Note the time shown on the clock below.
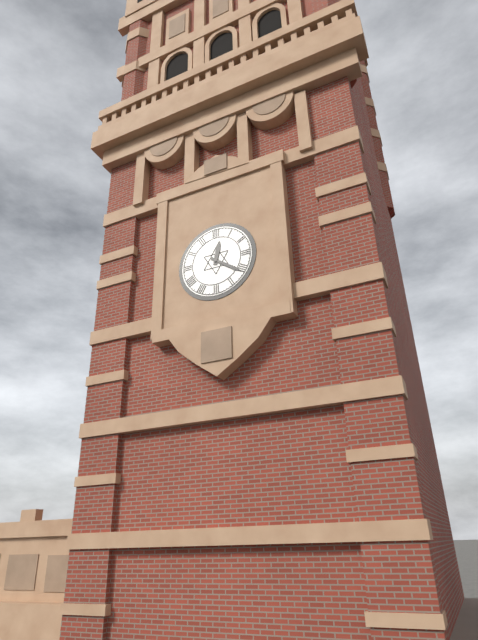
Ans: 12:21
